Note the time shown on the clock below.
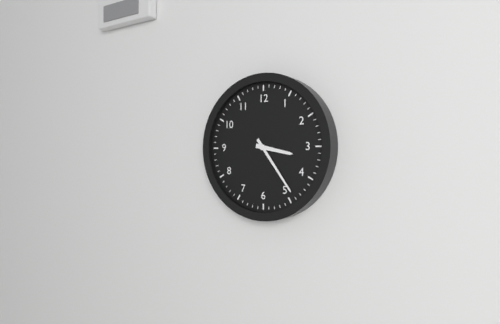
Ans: 3:24
